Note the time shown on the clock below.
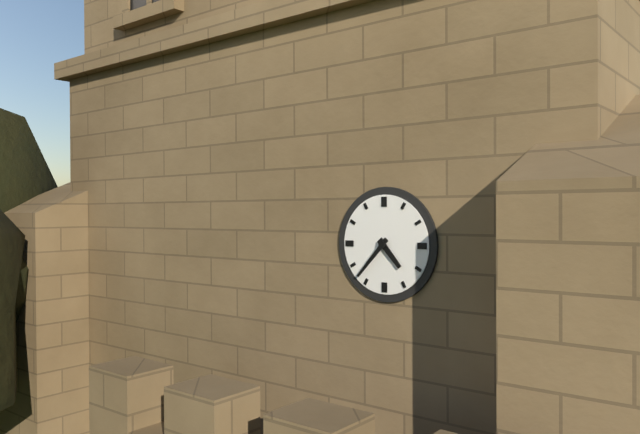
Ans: 4:37
